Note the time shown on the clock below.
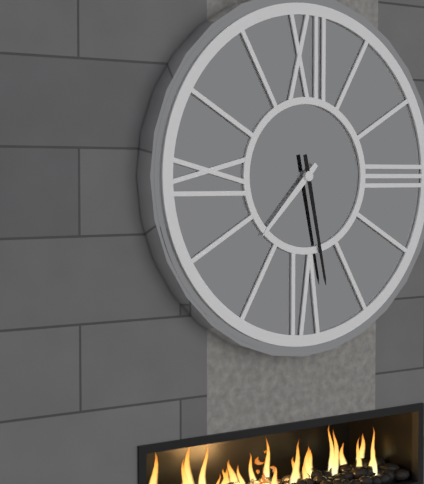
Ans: 7:28
